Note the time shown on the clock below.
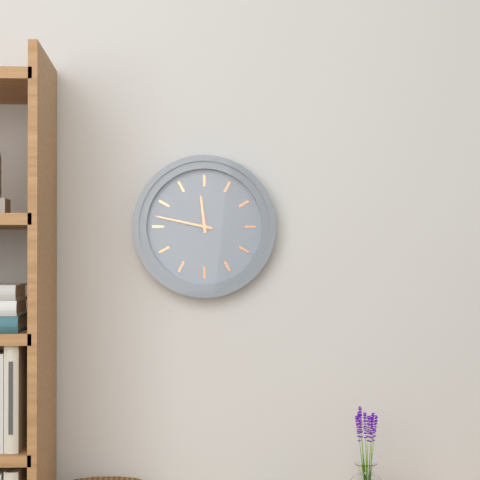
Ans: 11:47
